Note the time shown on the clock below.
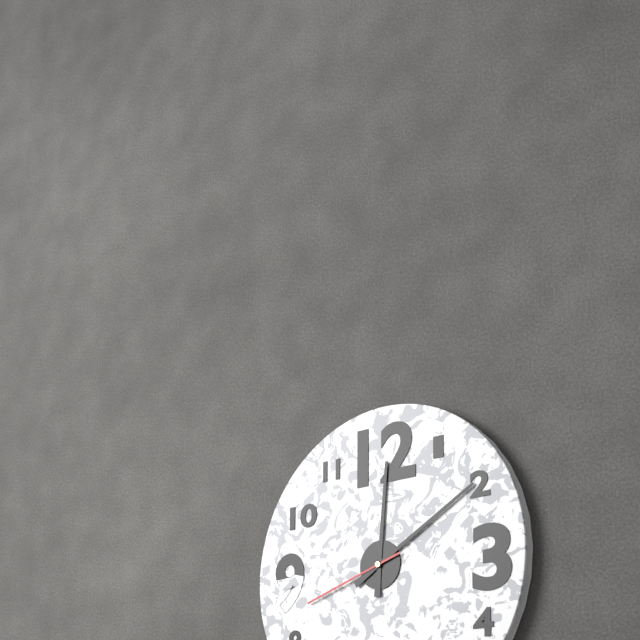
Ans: 12:10:42
